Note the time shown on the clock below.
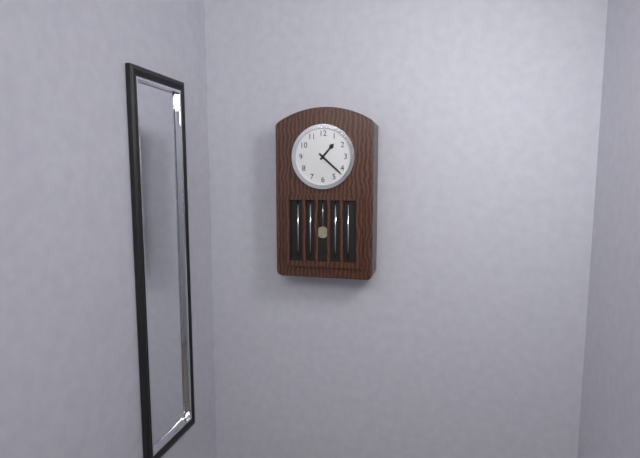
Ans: 1:22
